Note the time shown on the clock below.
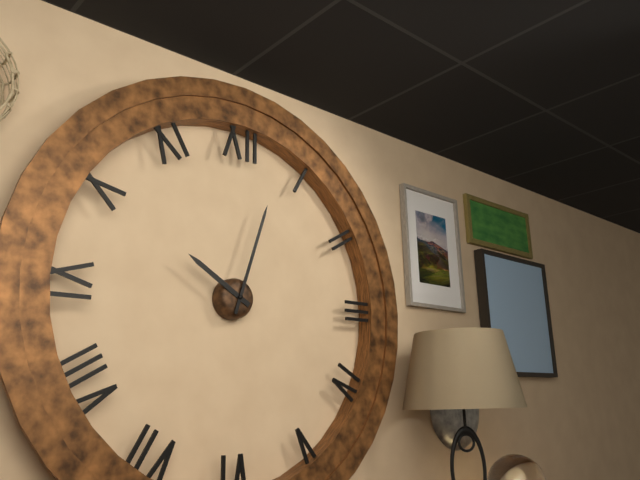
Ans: 10:03
